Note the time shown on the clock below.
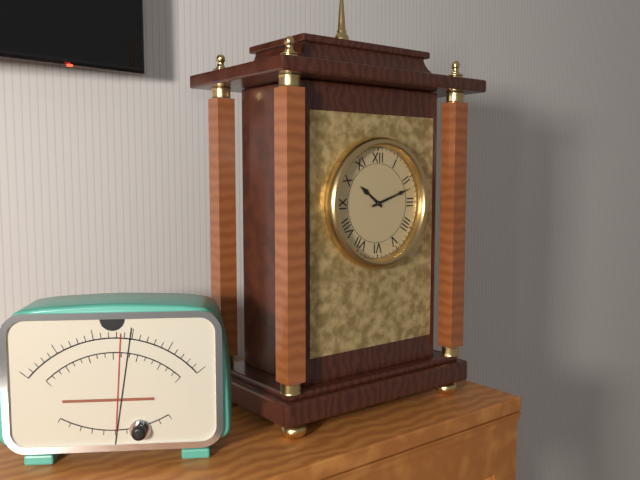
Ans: 10:12
